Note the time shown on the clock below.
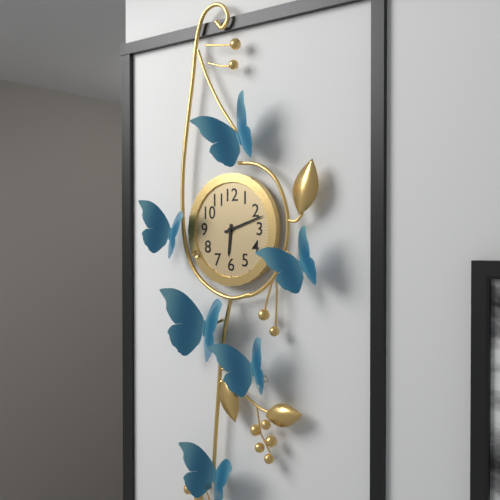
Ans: 6:12
